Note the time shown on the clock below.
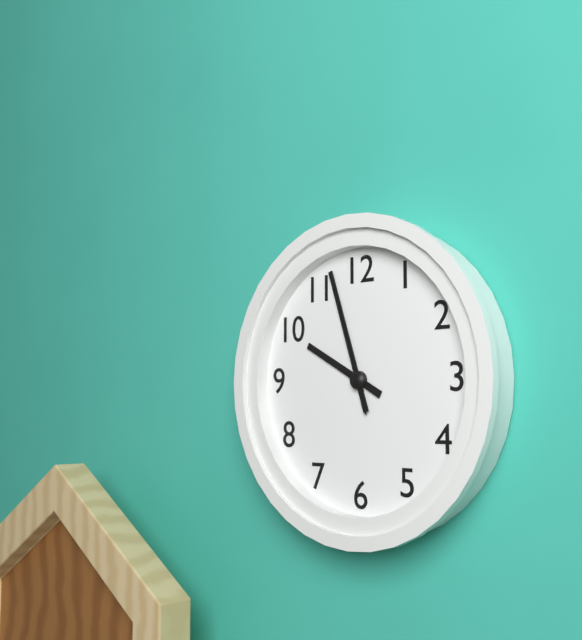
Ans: 9:57:57
